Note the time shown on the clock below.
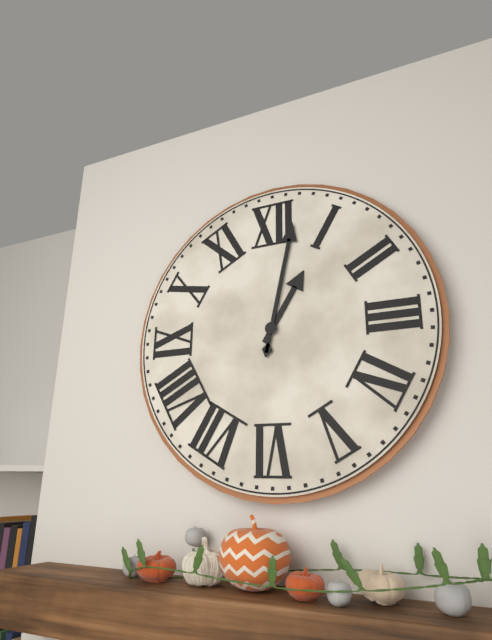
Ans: 1:02
